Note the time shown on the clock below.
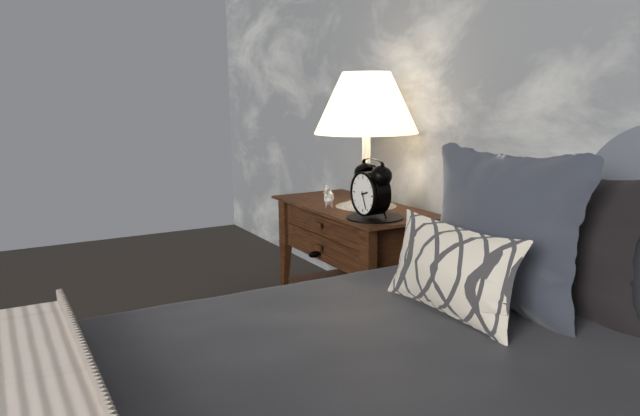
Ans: 2:26
